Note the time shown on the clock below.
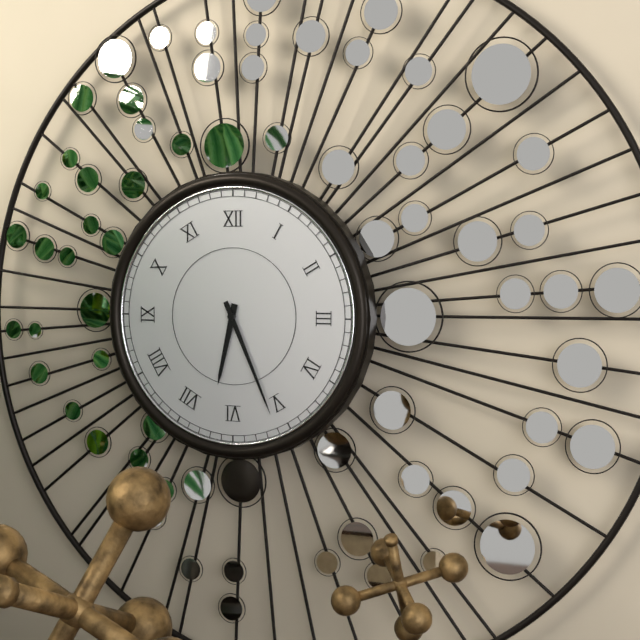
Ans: 6:26
